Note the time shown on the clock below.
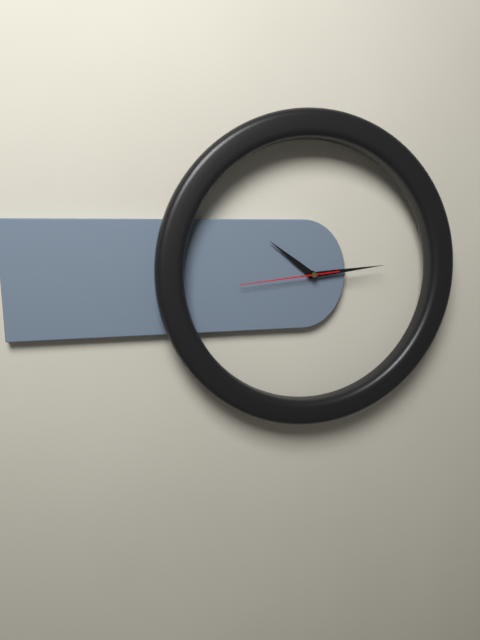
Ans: 10:14:44
